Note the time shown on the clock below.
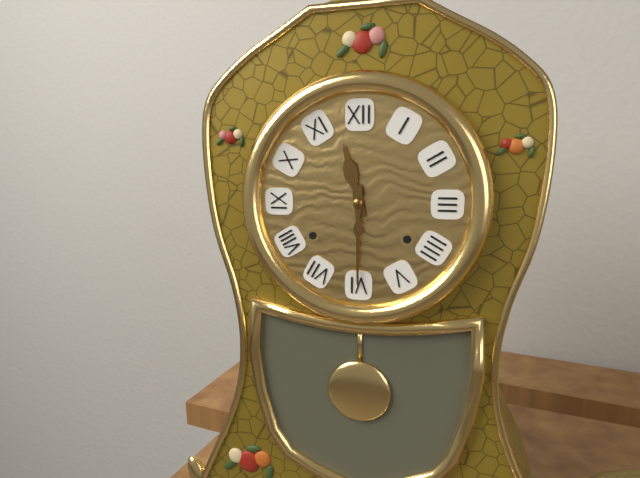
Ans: 11:30
